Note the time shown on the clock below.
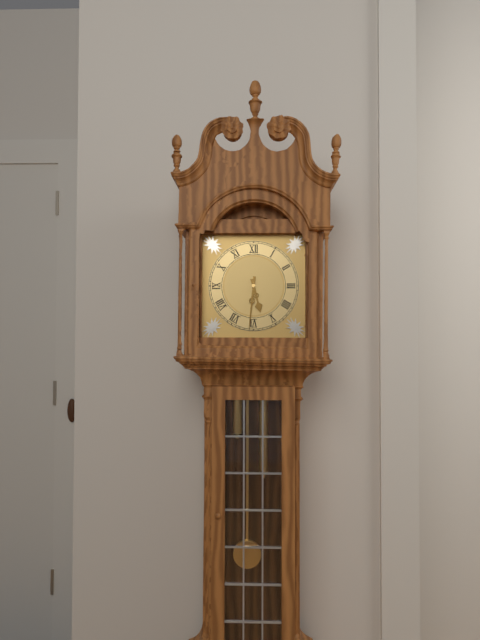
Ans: 5:31
